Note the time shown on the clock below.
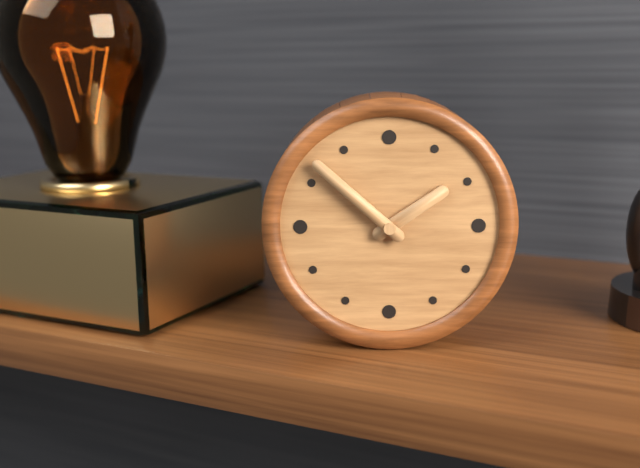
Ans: 1:52
